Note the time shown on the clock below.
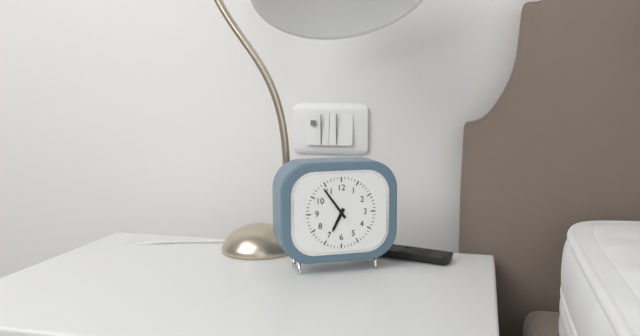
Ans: 6:54
